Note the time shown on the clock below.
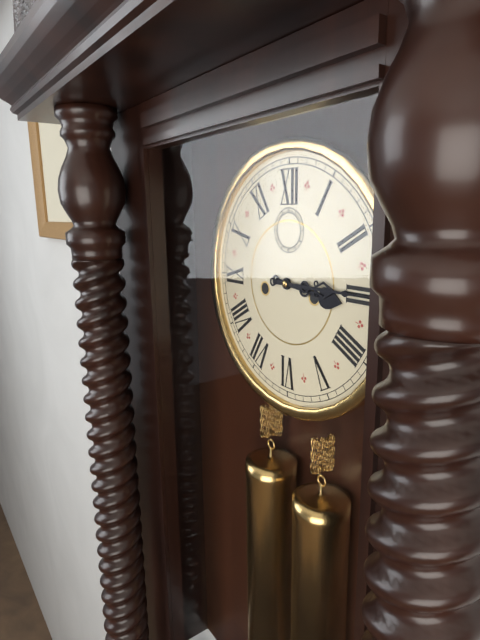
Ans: 3:15
